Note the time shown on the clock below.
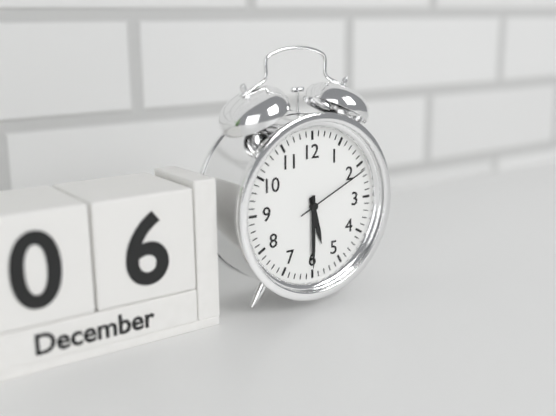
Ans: 5:30:11
